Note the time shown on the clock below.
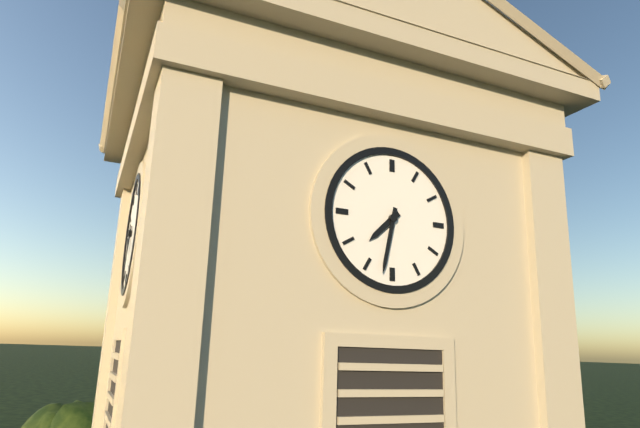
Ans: 7:32
